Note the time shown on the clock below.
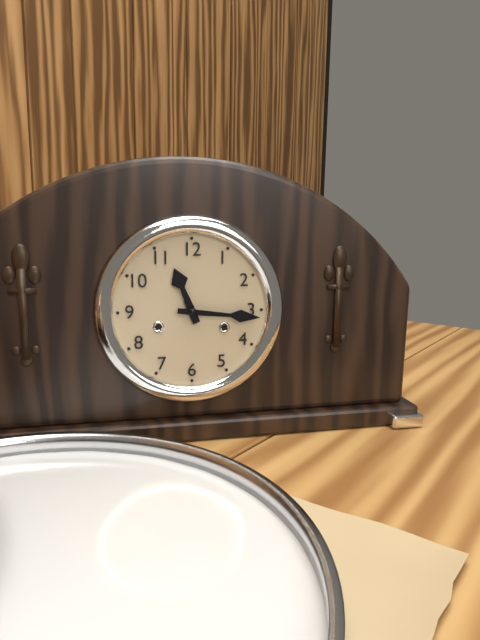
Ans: 11:16
